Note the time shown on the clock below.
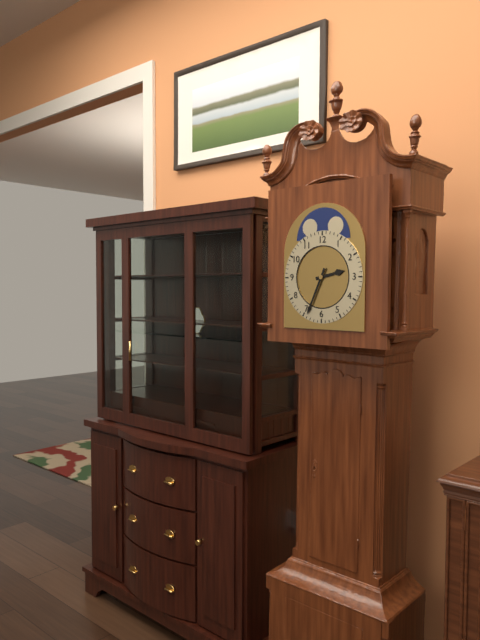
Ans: 2:34
